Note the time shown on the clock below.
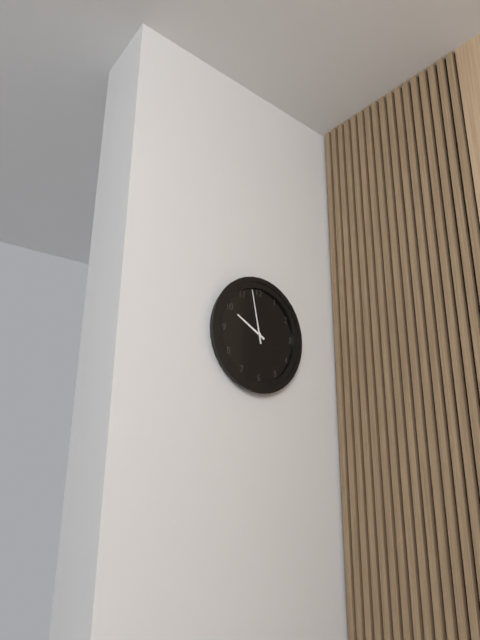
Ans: 9:58
